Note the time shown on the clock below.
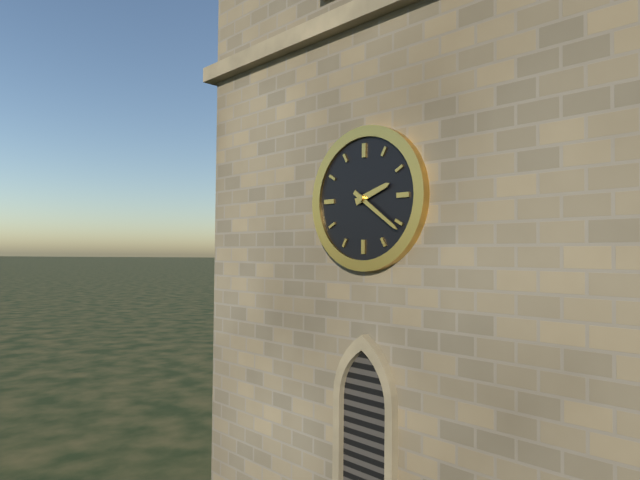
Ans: 2:21
